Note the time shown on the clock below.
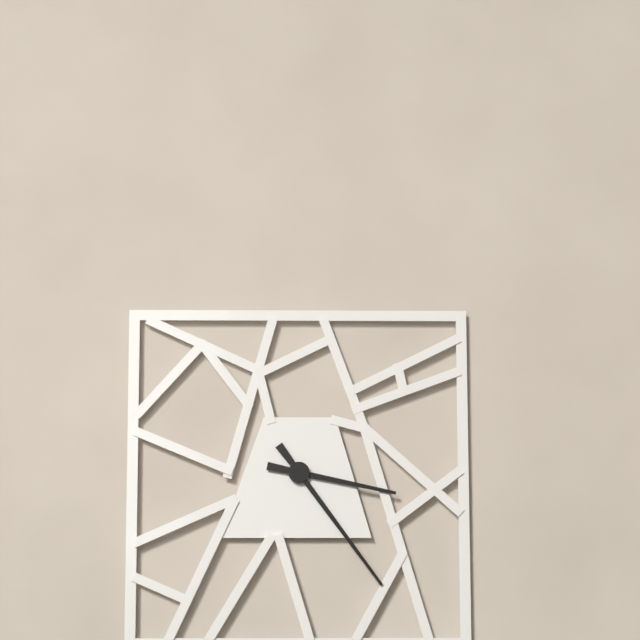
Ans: 3:24
